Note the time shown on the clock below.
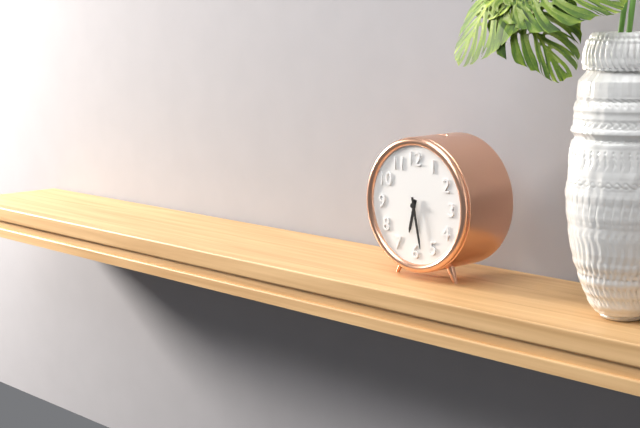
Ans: 6:28
